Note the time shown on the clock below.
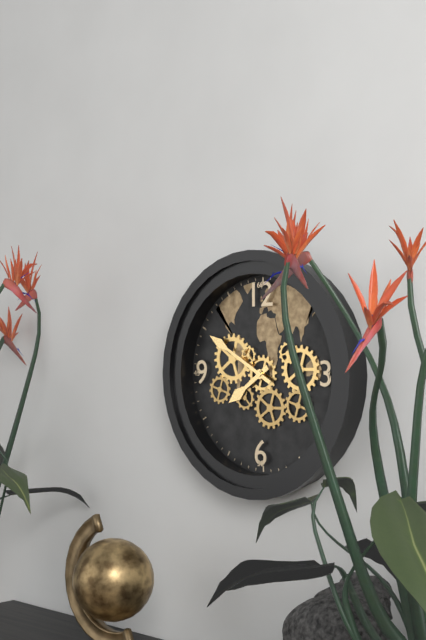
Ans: 7:50
